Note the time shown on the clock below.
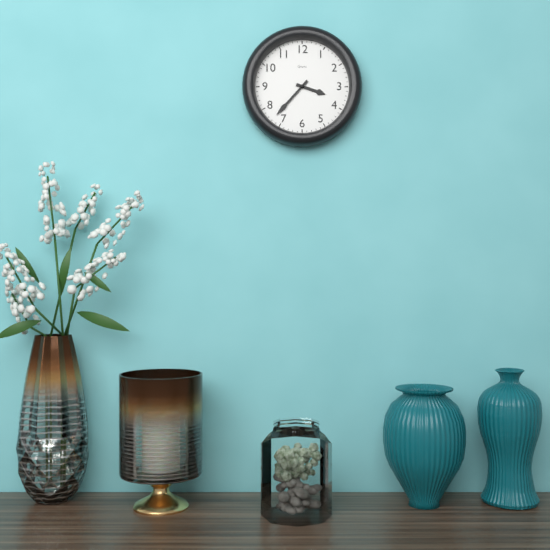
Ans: 3:37
